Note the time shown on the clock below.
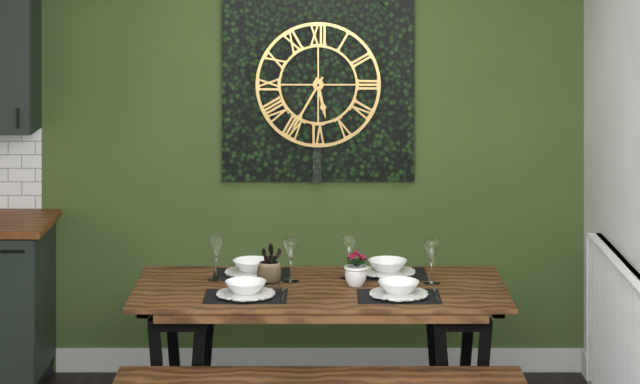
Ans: 5:35
